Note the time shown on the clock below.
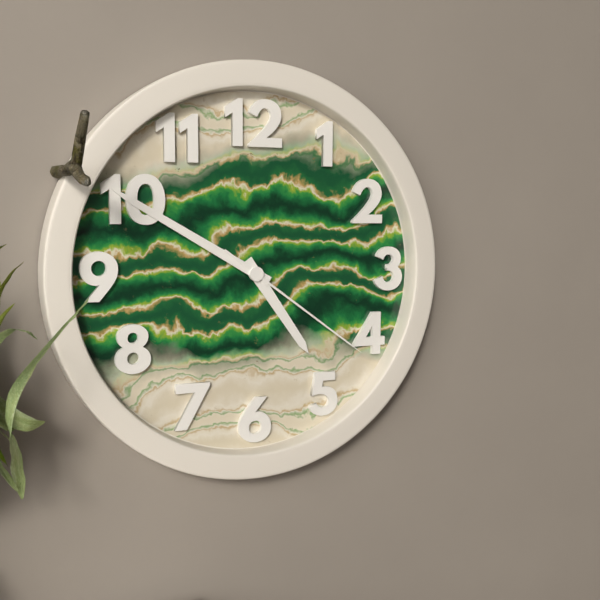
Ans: 4:50:21
